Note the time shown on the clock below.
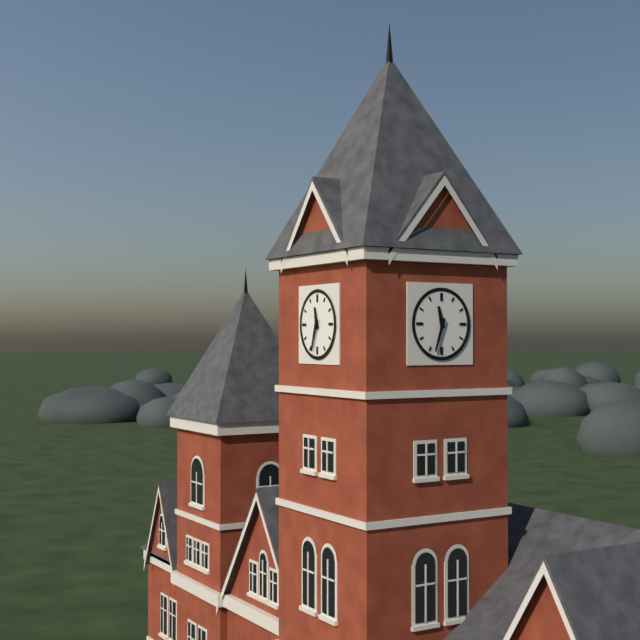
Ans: 11:33
